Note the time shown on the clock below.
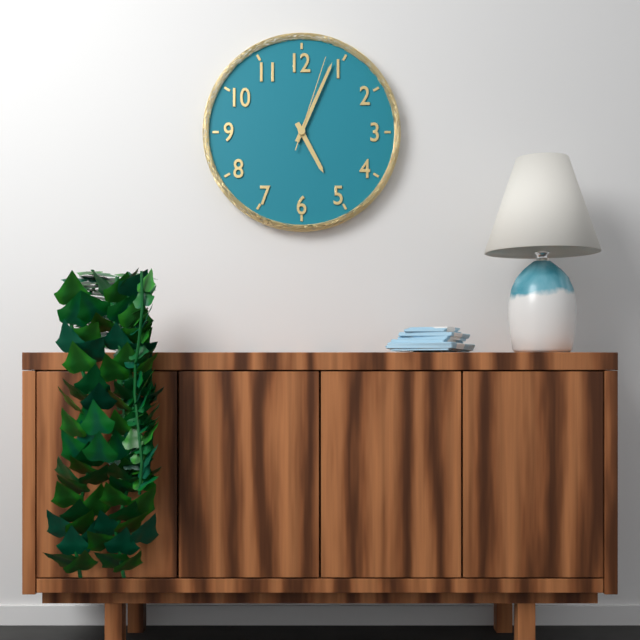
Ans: 5:04:03
